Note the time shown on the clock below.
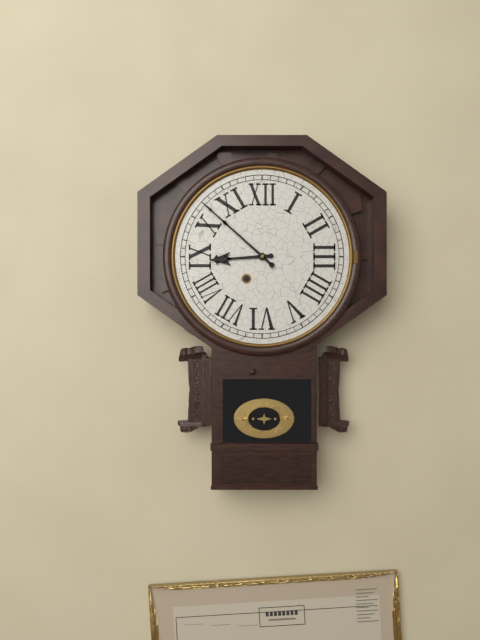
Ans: 8:52
